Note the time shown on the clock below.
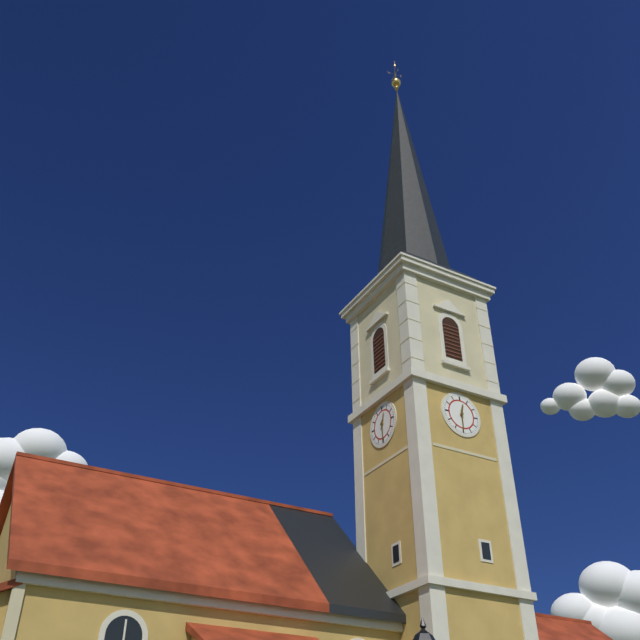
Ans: 12:30
